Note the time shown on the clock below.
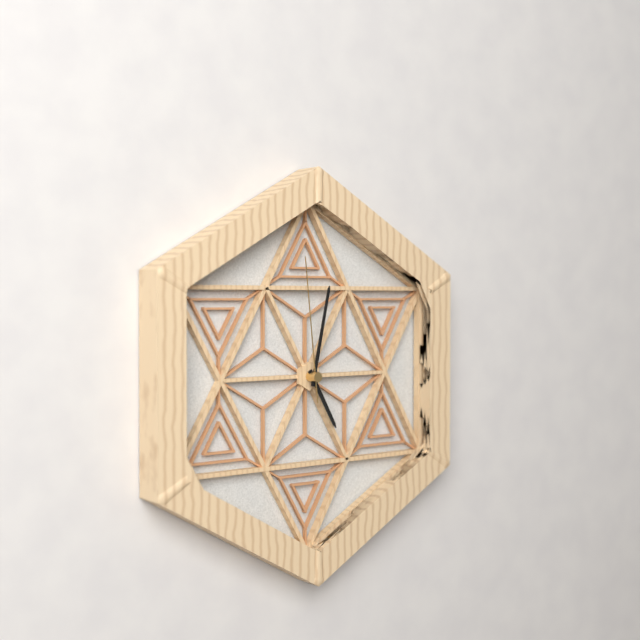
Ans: 5:02:59
